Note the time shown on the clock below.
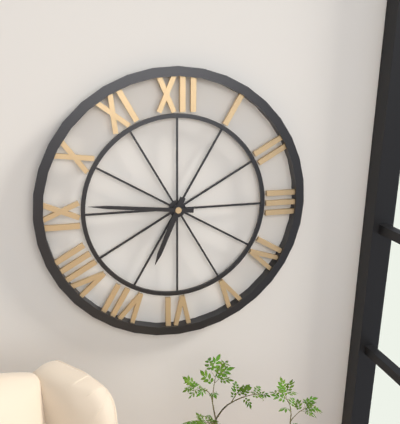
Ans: 6:46
